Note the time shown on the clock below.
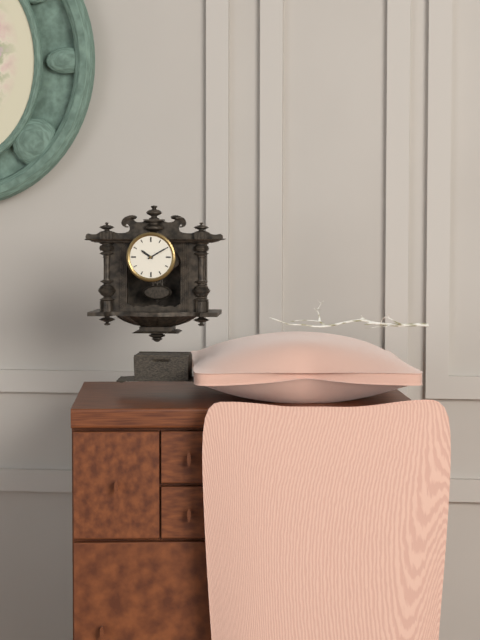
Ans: 10:10
